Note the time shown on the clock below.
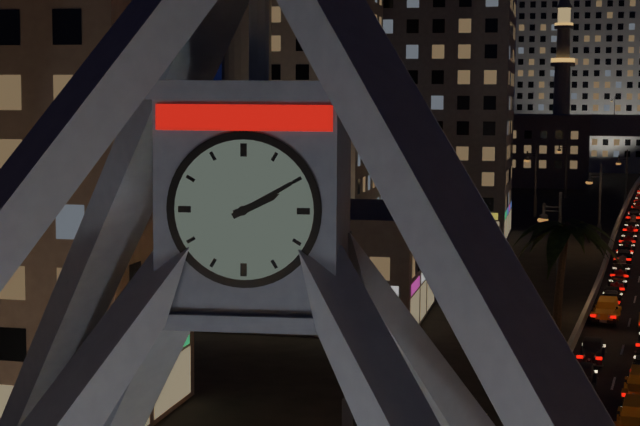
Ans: 2:10
